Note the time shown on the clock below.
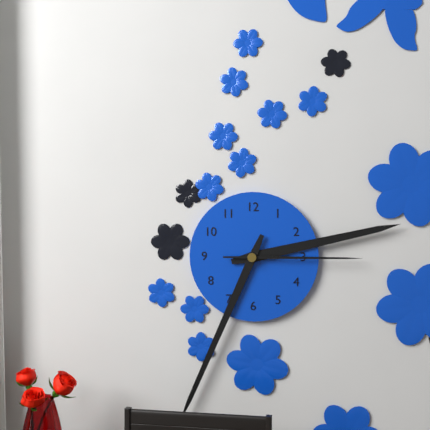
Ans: 2:34:15
